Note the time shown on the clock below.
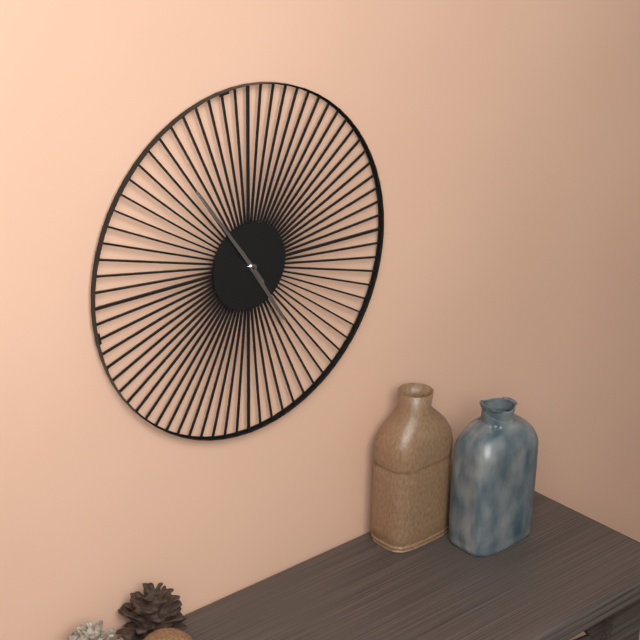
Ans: 4:54
